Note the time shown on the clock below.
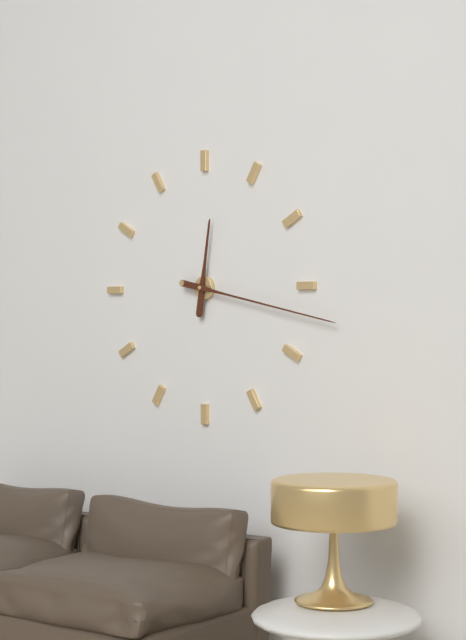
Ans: 12:17
